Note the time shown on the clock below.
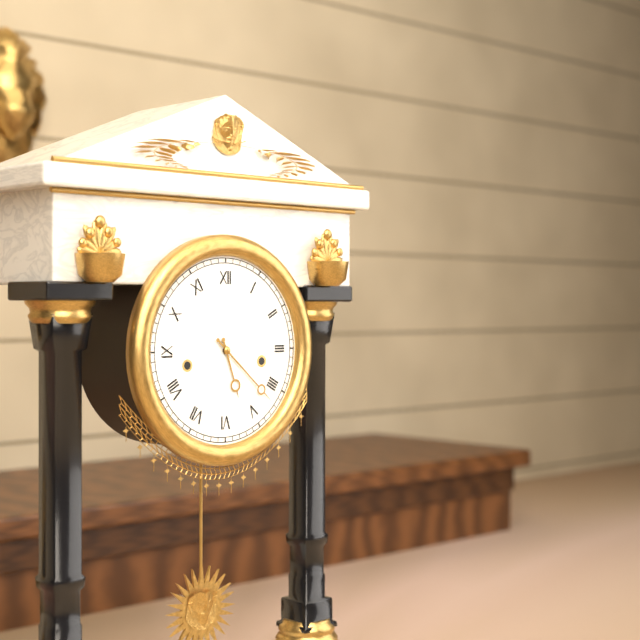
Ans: 5:22
